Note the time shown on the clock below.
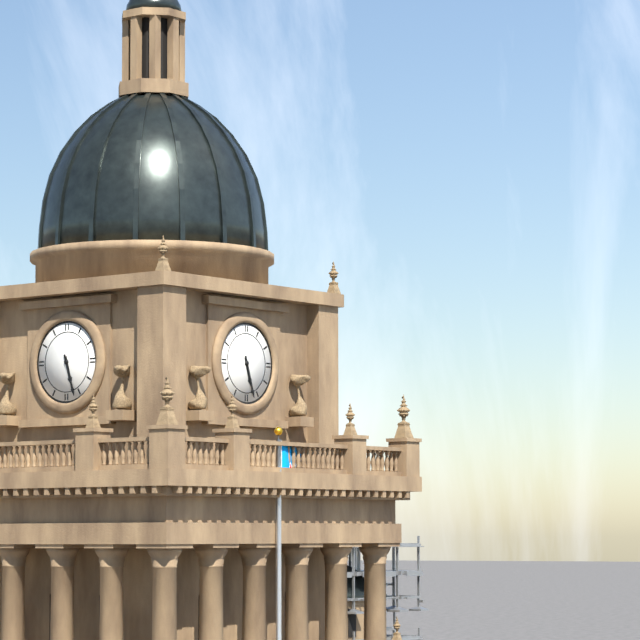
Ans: 5:27
